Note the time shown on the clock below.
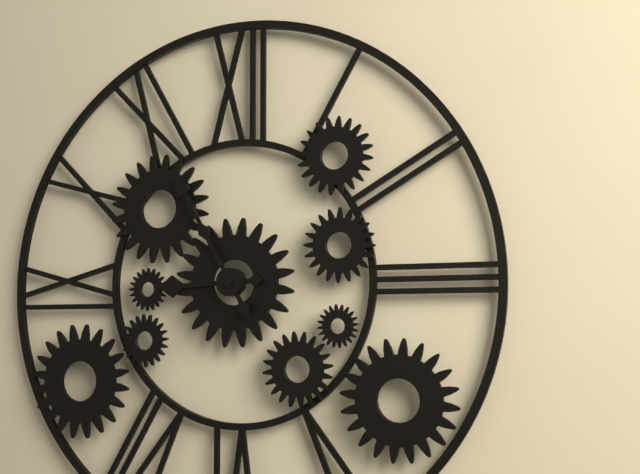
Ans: 8:55
